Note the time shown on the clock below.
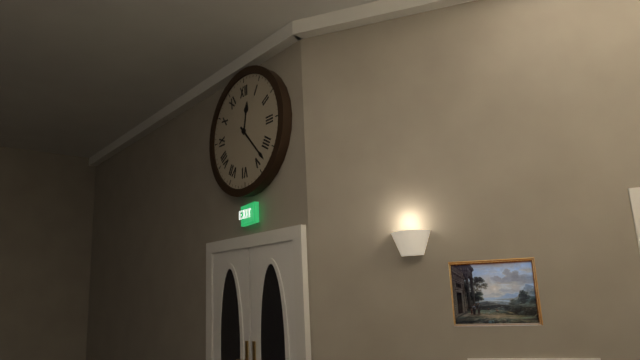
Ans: 12:23
